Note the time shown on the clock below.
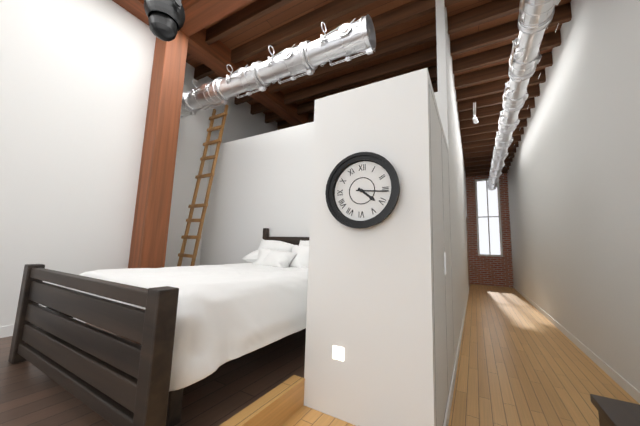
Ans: 4:16
